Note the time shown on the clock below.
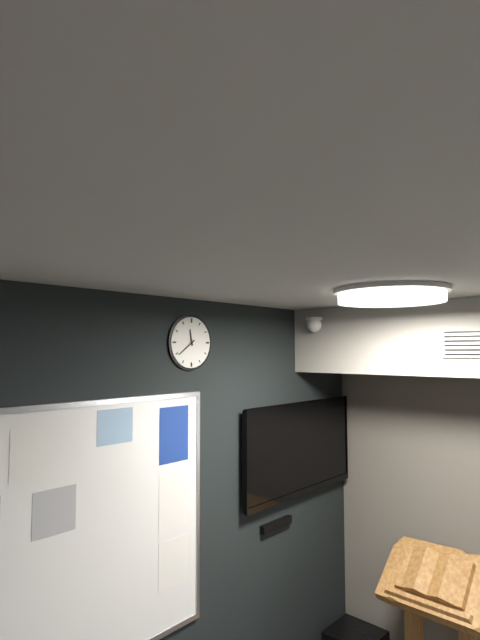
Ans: 11:39
